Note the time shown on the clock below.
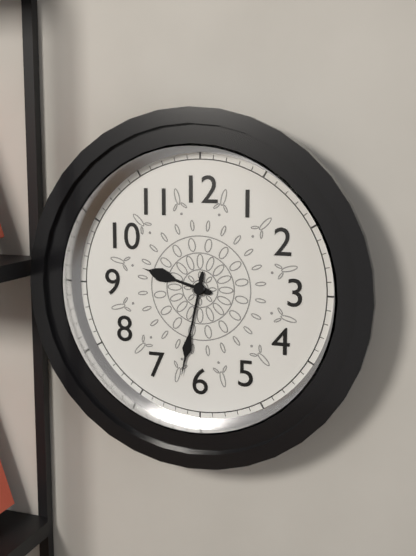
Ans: 9:32
